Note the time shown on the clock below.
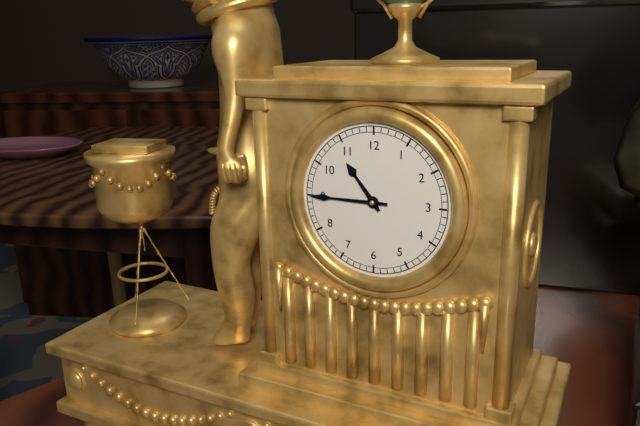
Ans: 10:45
